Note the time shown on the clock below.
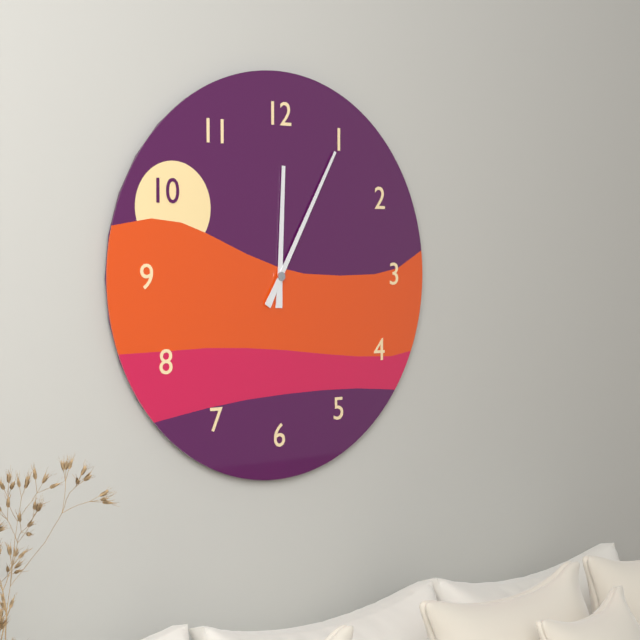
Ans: 12:05
